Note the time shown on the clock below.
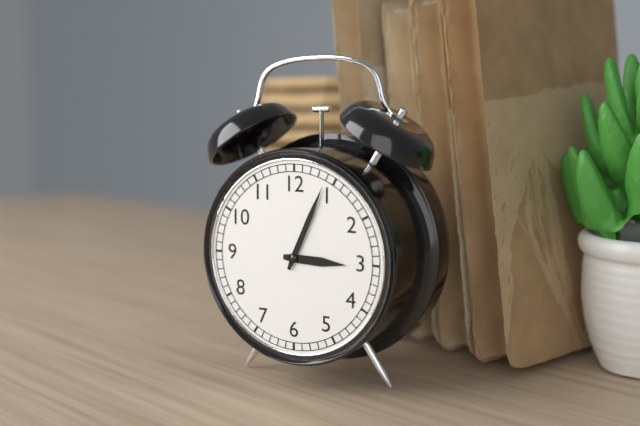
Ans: 3:04
